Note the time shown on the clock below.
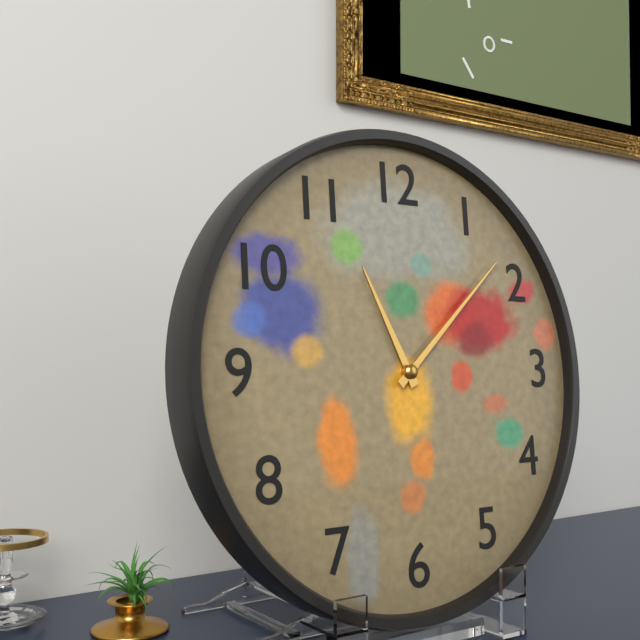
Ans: 11:08
